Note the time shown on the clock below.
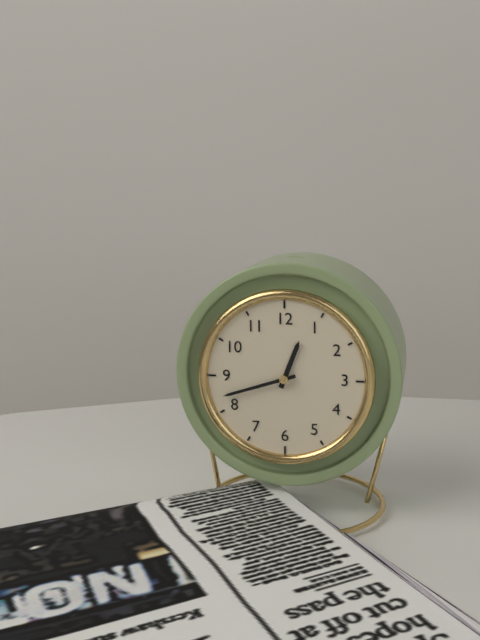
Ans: 12:42
